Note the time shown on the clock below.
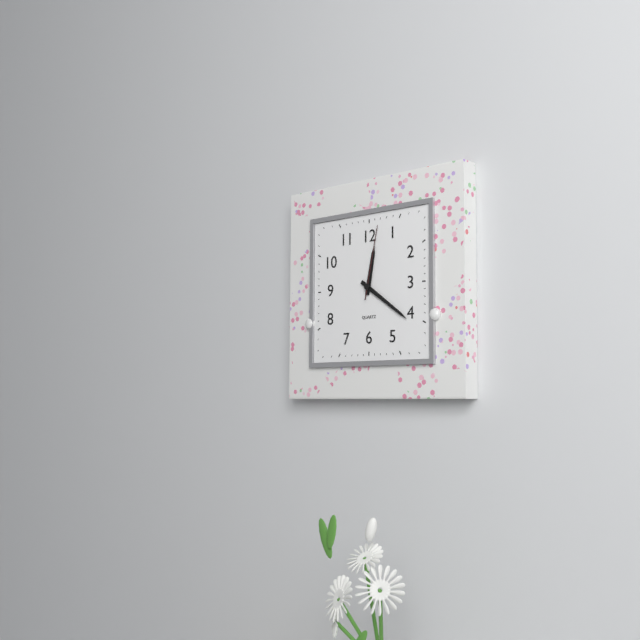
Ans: 12:21:02
